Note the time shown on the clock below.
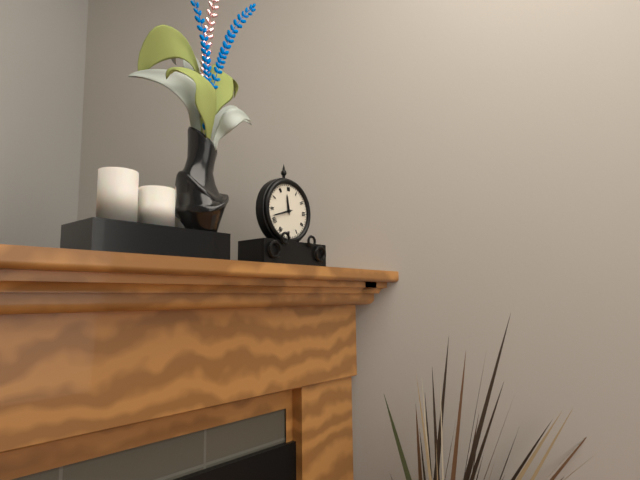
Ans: 11:42
